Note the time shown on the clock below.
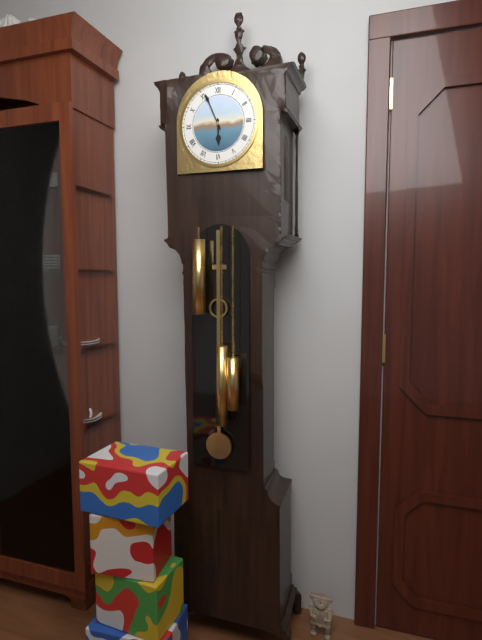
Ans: 5:56
